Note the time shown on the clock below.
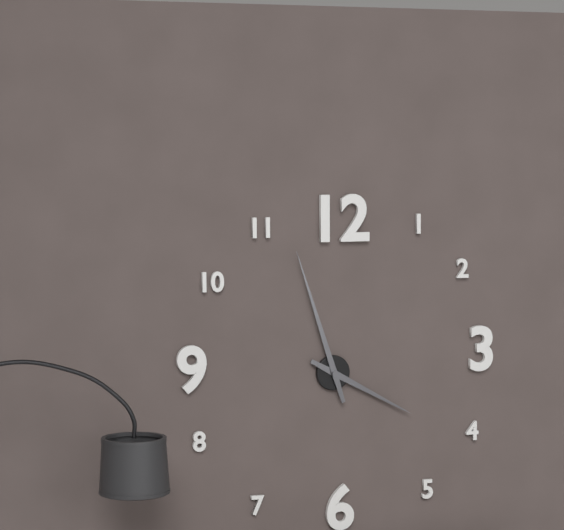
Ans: 3:57
